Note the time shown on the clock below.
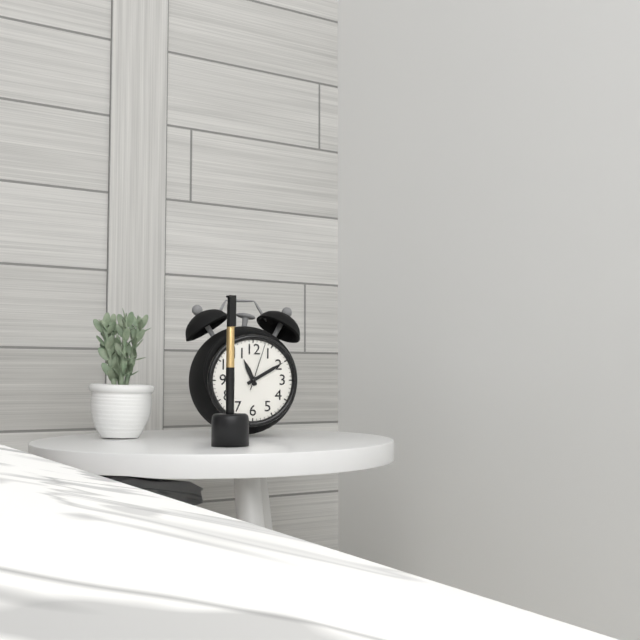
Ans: 11:10
